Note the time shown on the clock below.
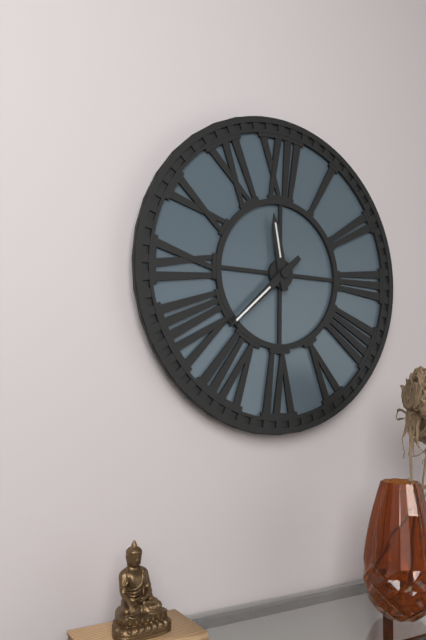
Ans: 11:38
